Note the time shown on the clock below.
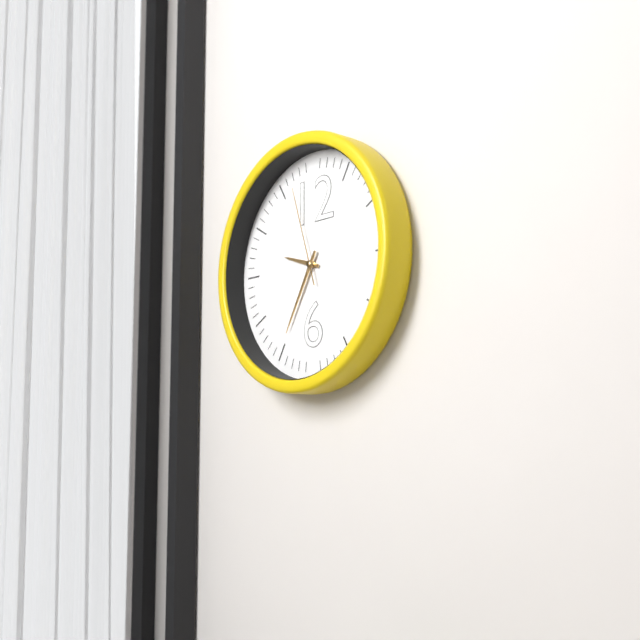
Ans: 9:35:57
